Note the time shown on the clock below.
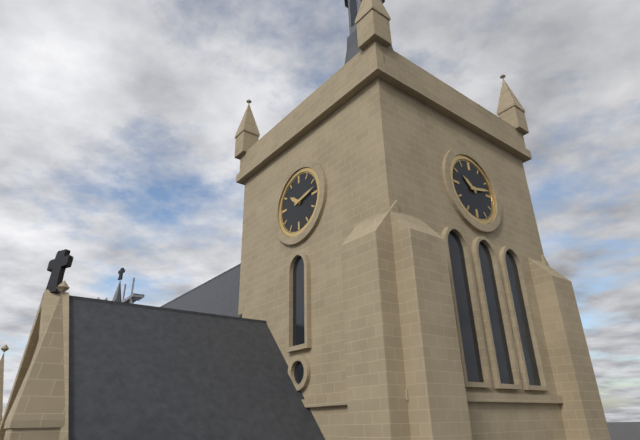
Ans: 10:13
